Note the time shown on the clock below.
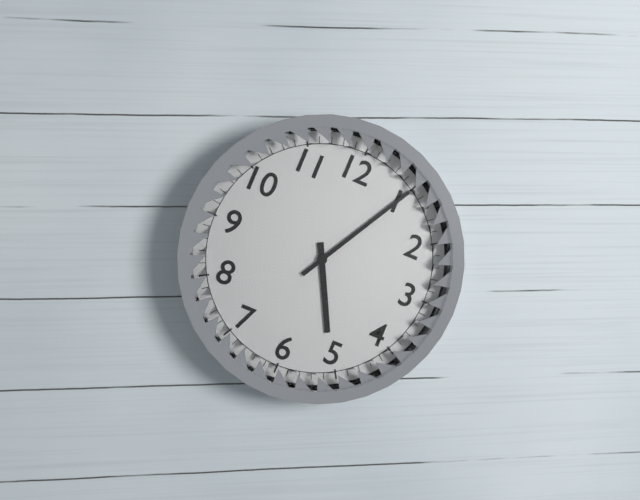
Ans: 5:05
